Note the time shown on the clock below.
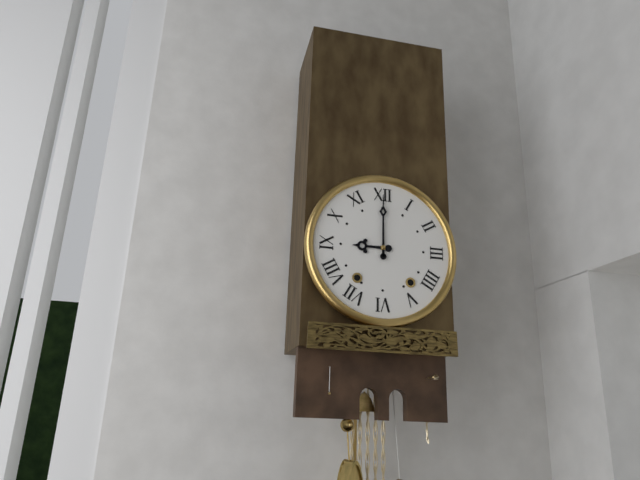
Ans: 9:00
